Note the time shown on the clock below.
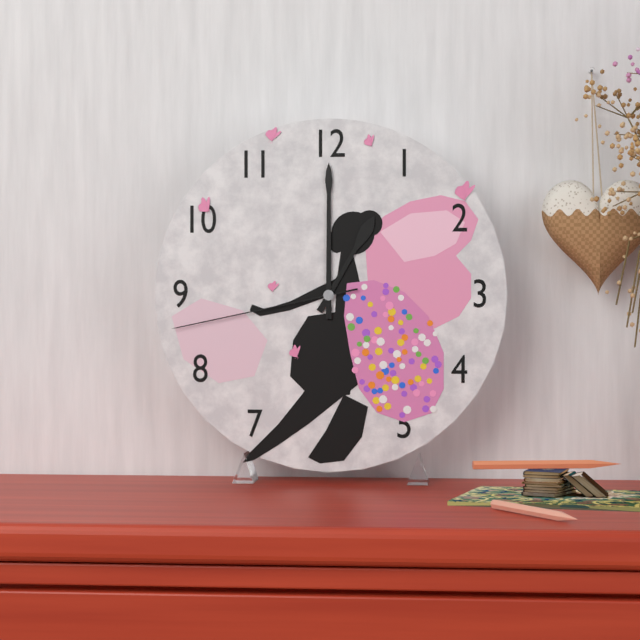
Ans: 1:00:43
